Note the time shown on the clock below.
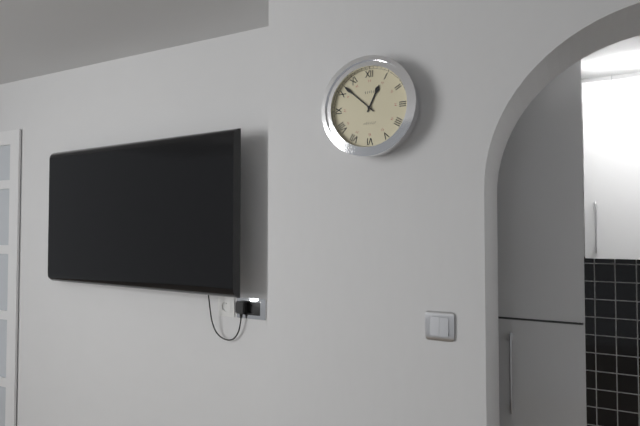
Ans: 12:52
